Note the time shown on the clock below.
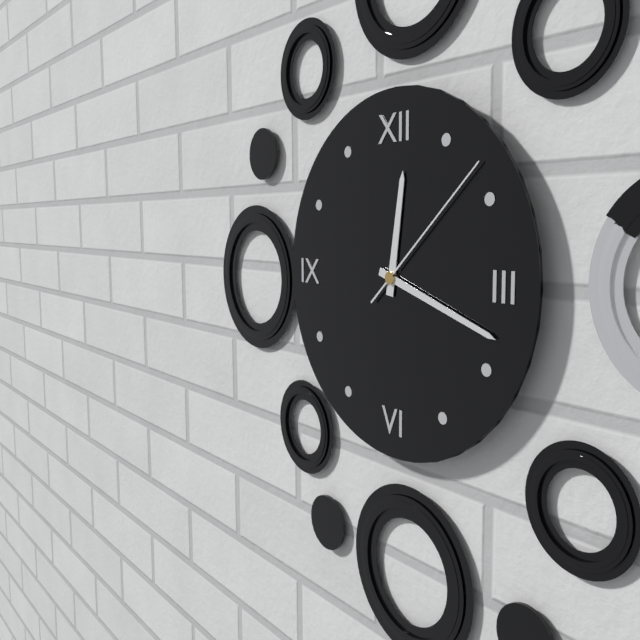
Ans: 12:18:08
